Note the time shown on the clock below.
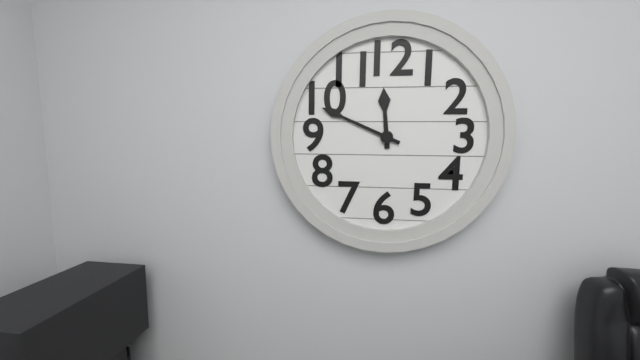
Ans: 11:49
